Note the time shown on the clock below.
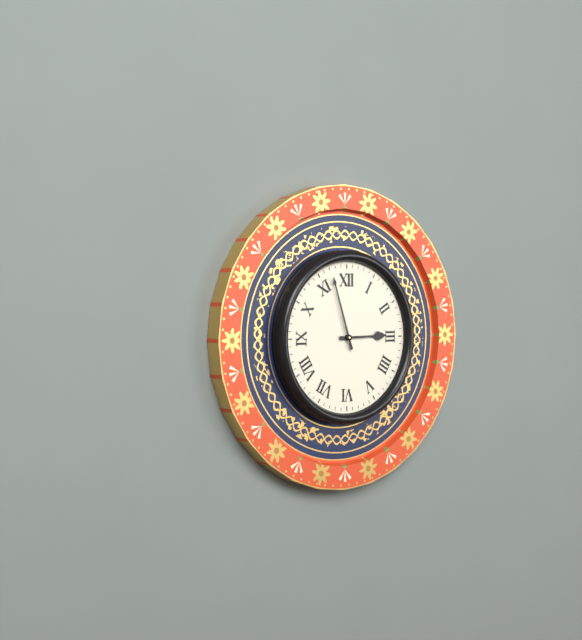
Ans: 2:57
